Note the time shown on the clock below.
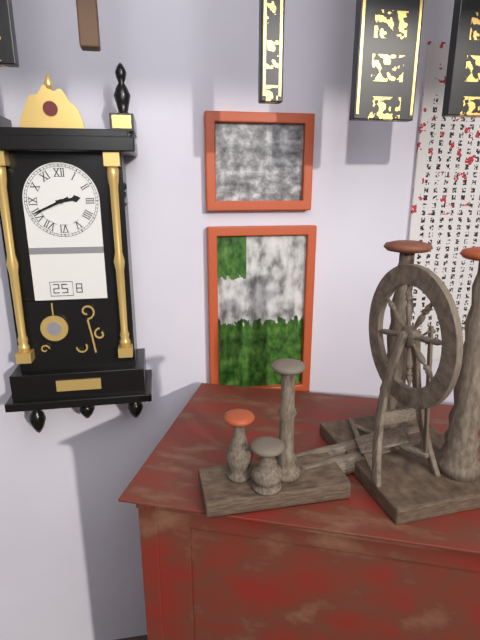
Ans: 2:41
